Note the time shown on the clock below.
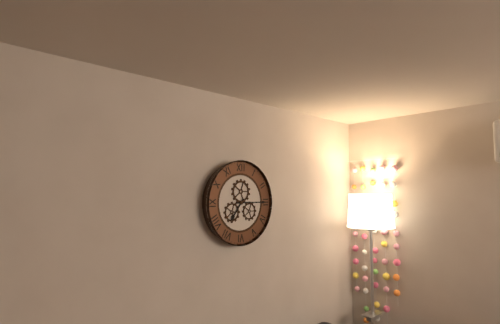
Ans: 7:15
